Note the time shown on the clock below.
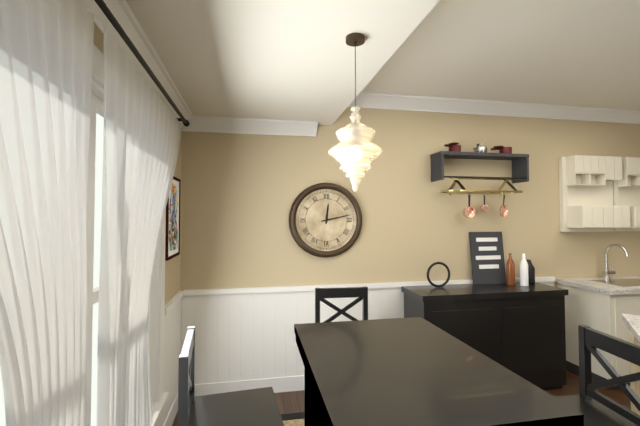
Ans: 12:13
